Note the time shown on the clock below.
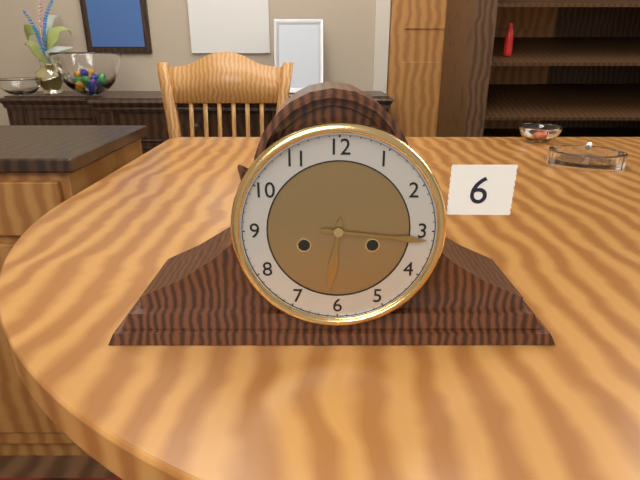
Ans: 6:16
